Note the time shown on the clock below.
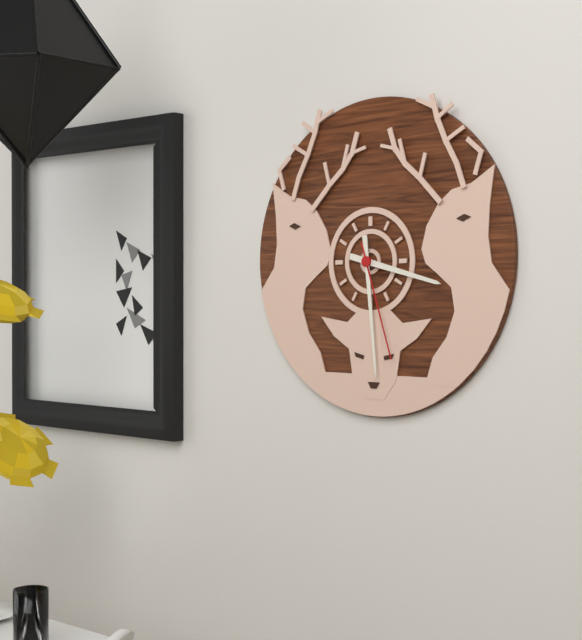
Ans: 3:29:27
